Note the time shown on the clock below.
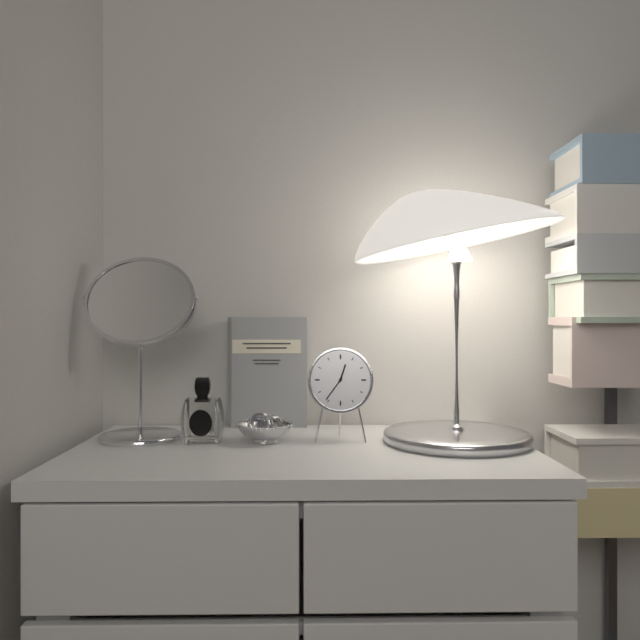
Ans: 12:36
